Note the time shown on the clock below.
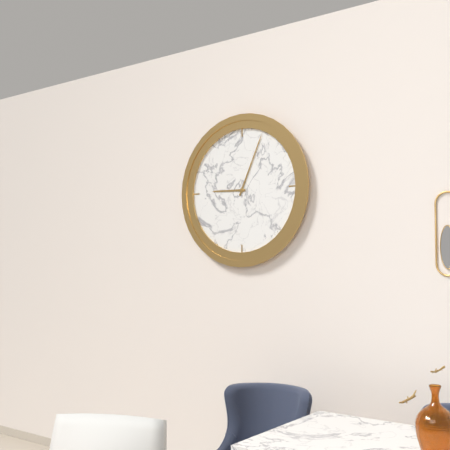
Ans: 9:04
